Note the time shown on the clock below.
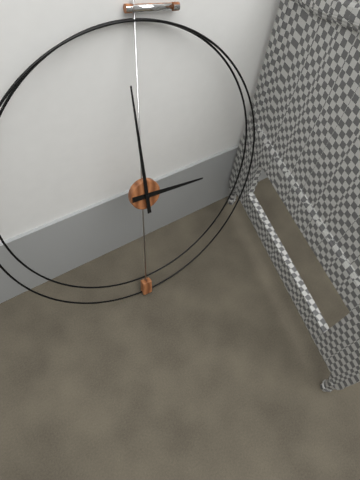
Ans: 2:59
